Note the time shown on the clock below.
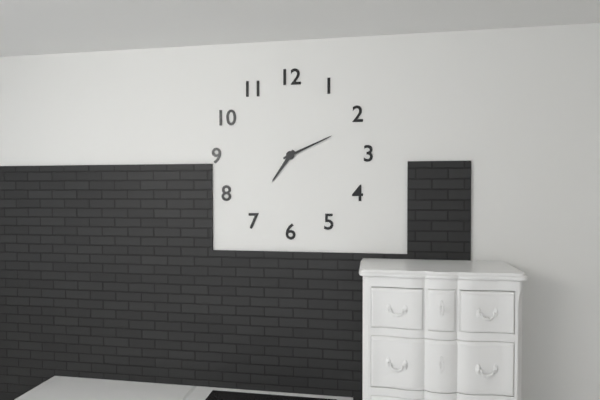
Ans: 7:11
